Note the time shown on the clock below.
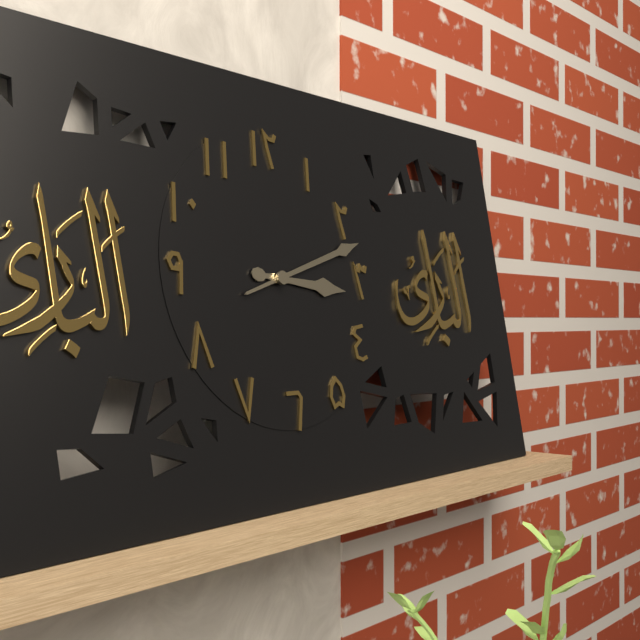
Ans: 3:12
